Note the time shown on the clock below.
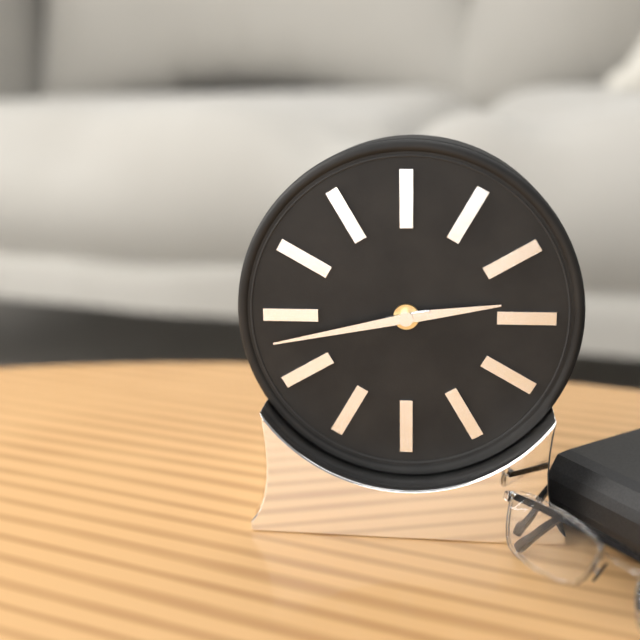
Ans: 2:43
